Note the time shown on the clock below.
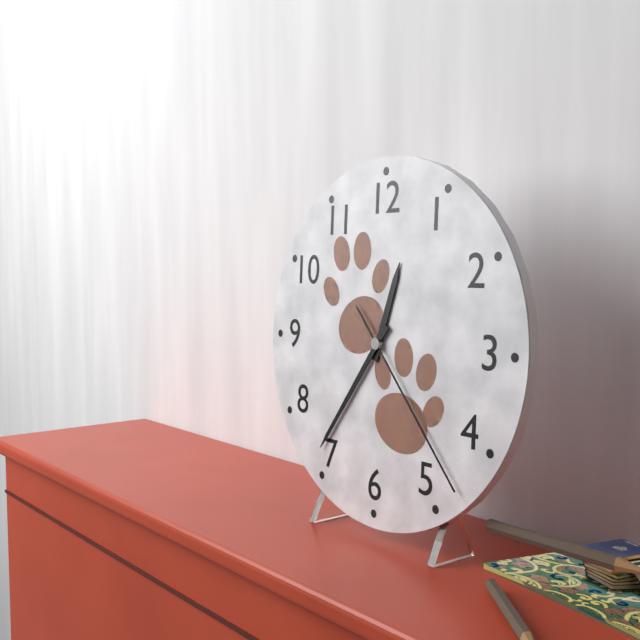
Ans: 12:36:23
